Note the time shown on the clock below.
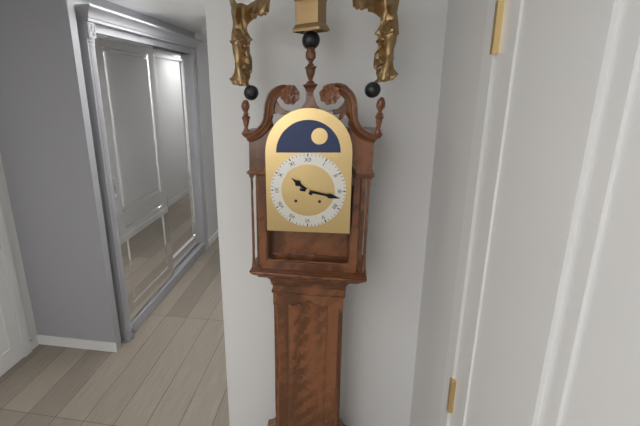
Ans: 10:17
